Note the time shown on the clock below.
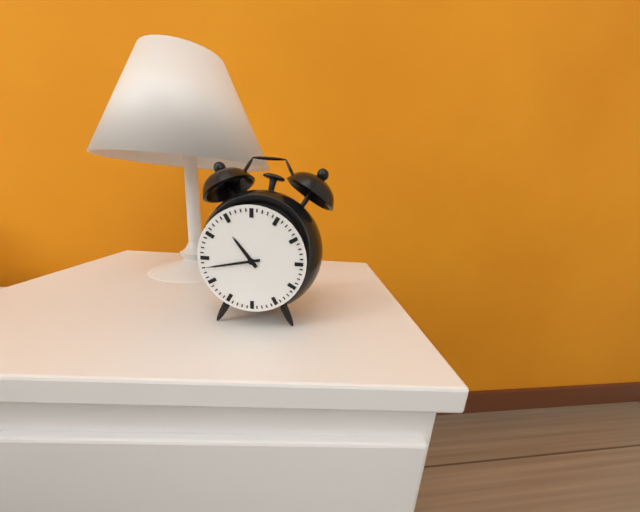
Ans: 10:43
